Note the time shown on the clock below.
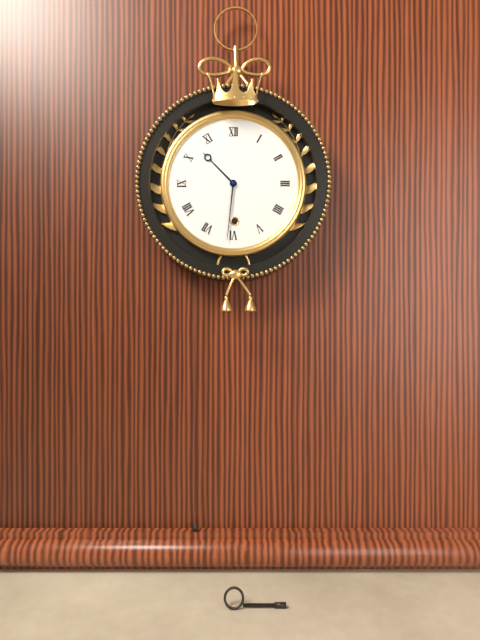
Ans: 10:31
